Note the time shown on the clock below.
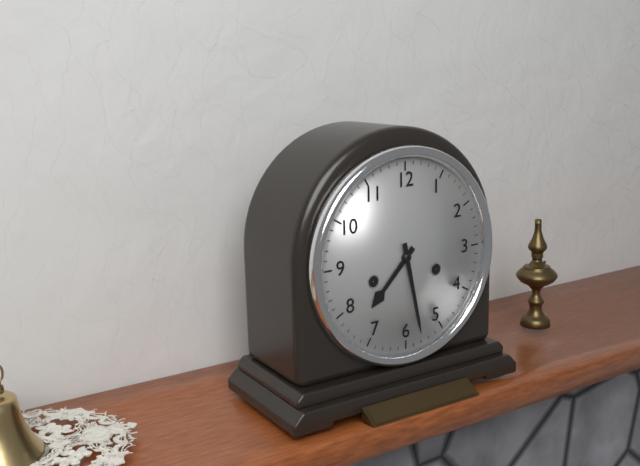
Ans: 7:28
